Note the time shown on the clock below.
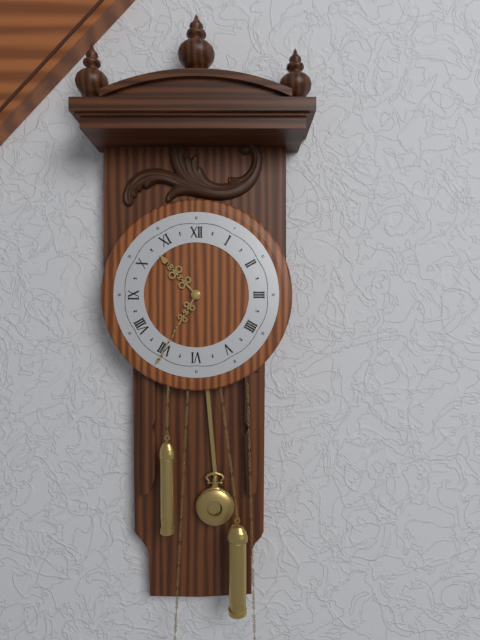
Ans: 10:35
